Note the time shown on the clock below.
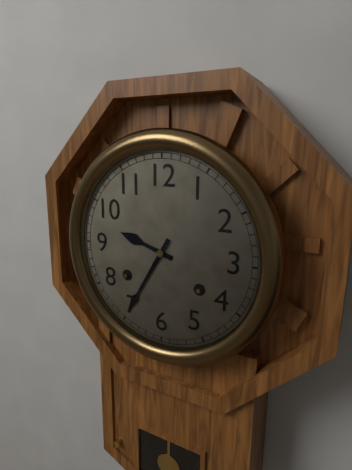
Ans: 9:35
